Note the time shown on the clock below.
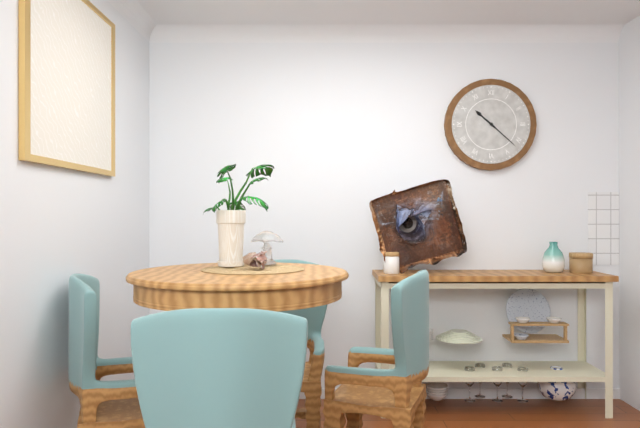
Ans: 10:22
